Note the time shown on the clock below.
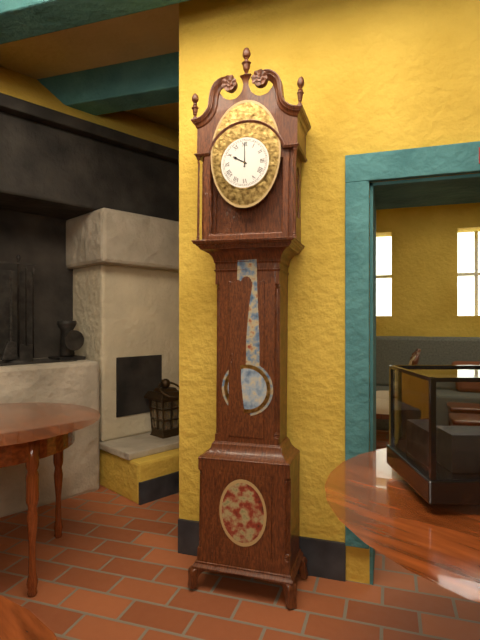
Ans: 10:00
